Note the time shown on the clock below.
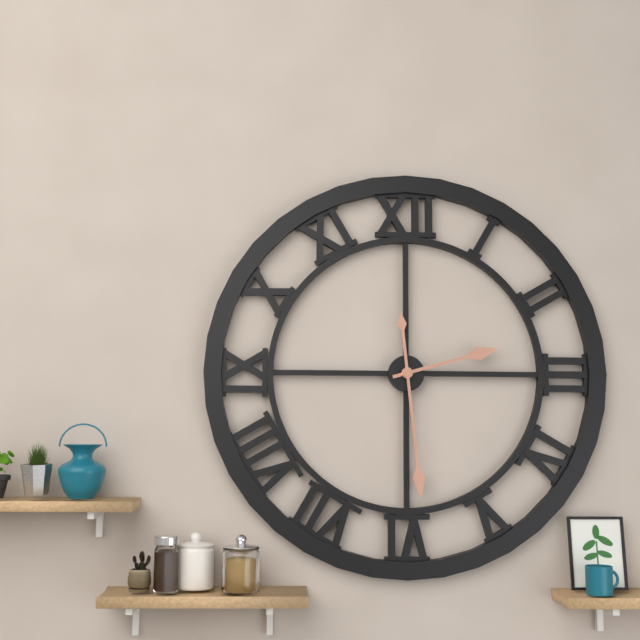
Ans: 2:29
